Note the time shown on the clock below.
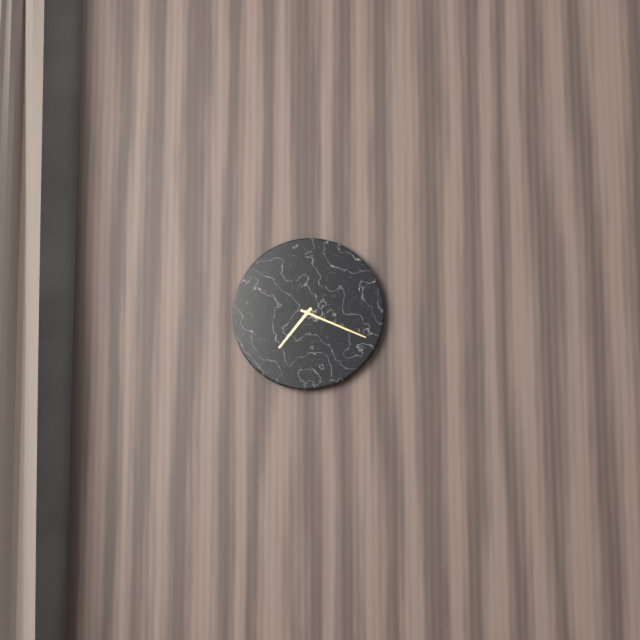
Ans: 7:19
